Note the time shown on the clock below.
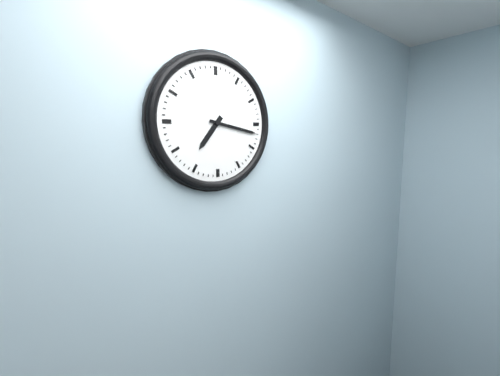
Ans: 7:17
